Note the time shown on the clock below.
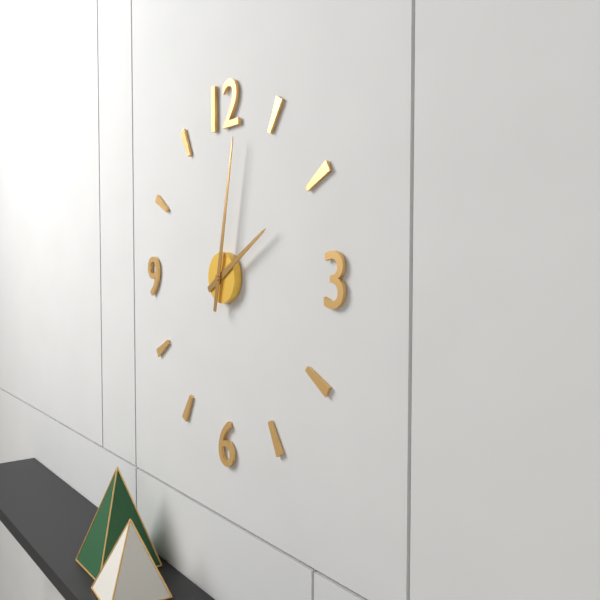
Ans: 2:02
